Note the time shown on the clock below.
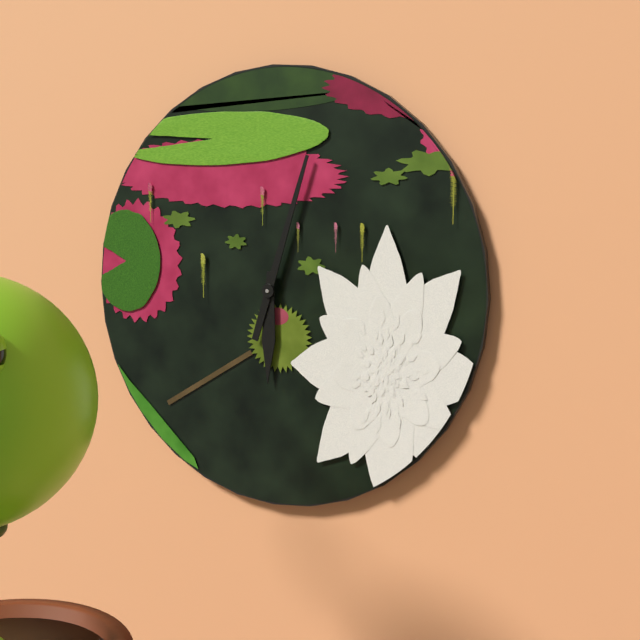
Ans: 6:03
